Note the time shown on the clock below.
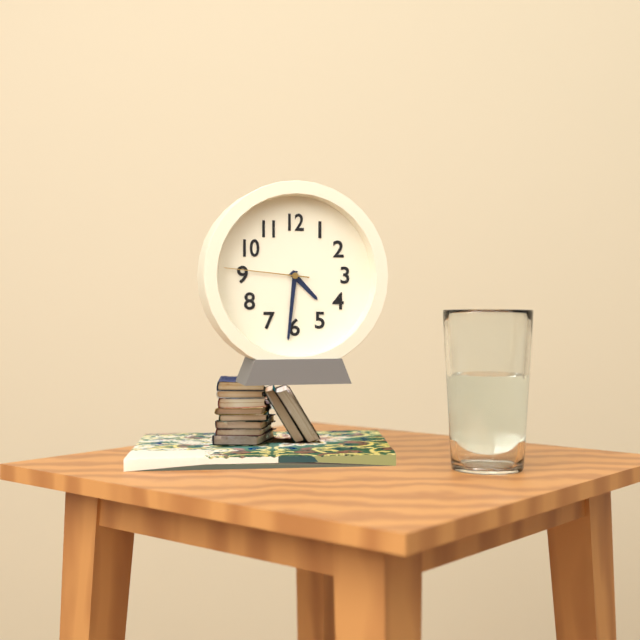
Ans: 4:31:46
